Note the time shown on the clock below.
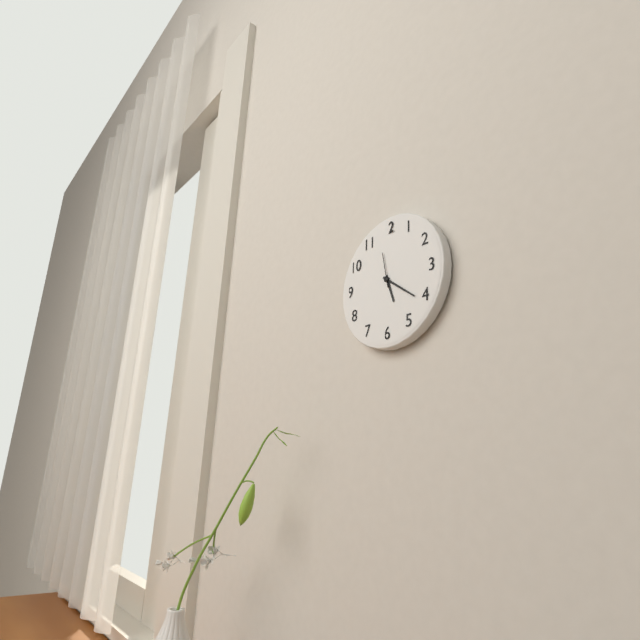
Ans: 5:21
